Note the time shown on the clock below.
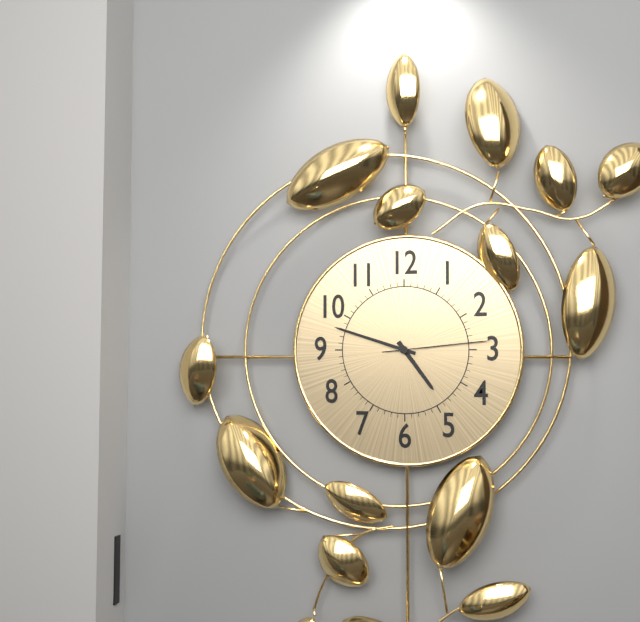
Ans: 4:48:14
